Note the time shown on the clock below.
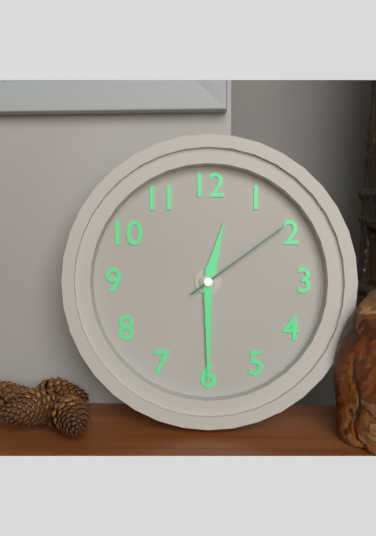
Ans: 12:30:09
